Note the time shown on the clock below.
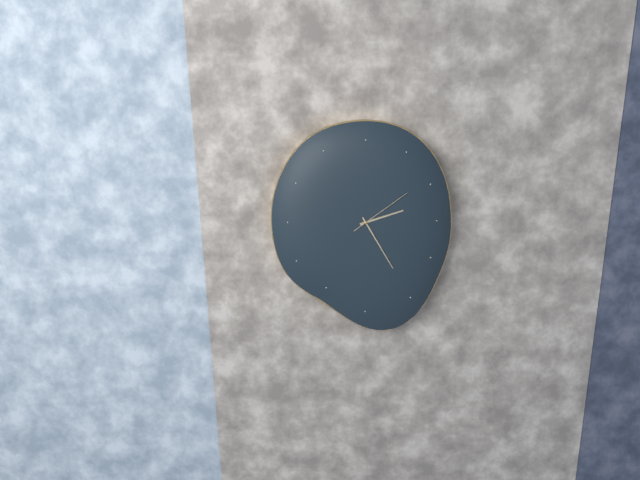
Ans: 2:25:09
